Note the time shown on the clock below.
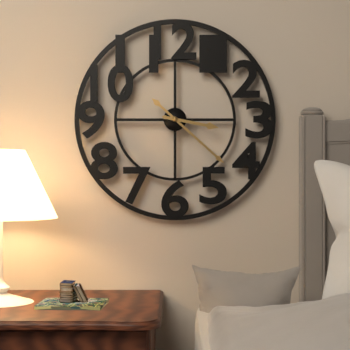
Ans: 3:22
